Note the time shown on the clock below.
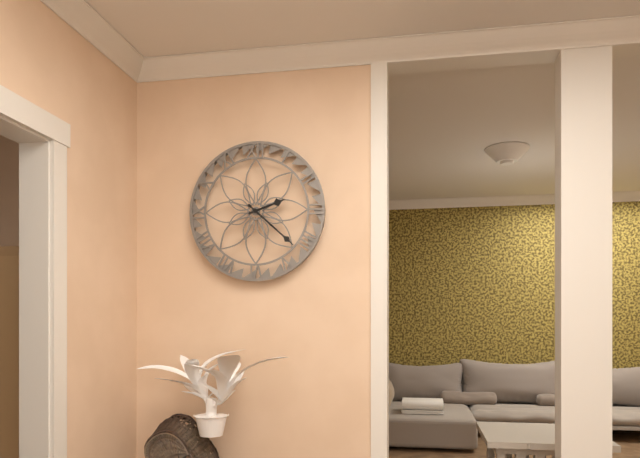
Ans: 2:22
